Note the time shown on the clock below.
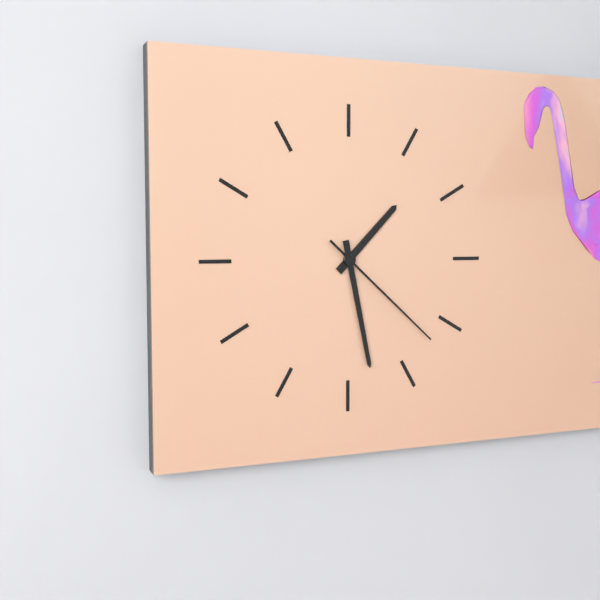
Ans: 1:28:22
